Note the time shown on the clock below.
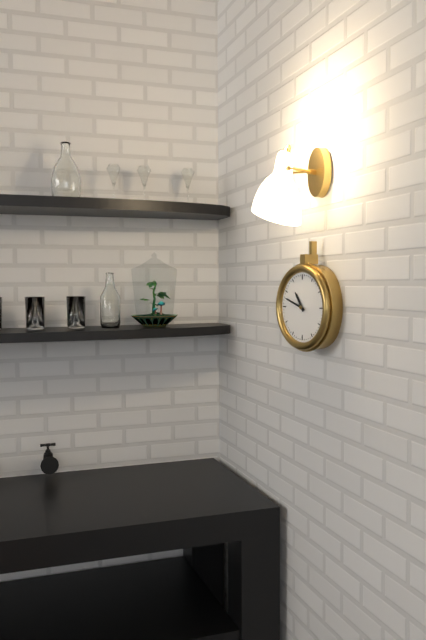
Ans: 10:48
